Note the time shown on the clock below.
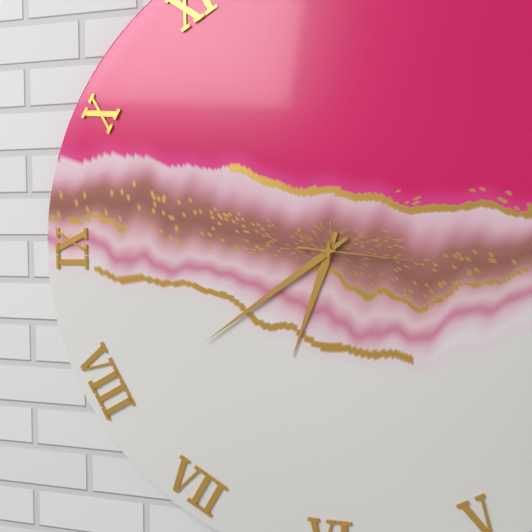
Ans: 6:39:16
